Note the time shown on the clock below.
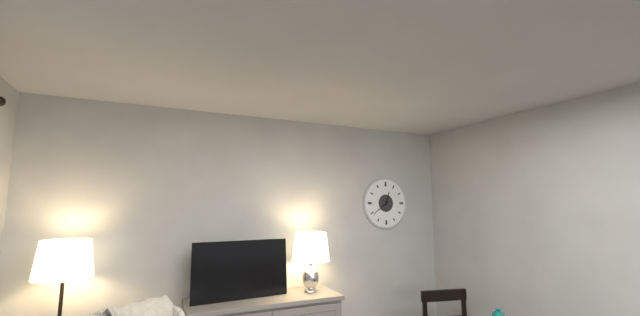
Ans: 12:39
